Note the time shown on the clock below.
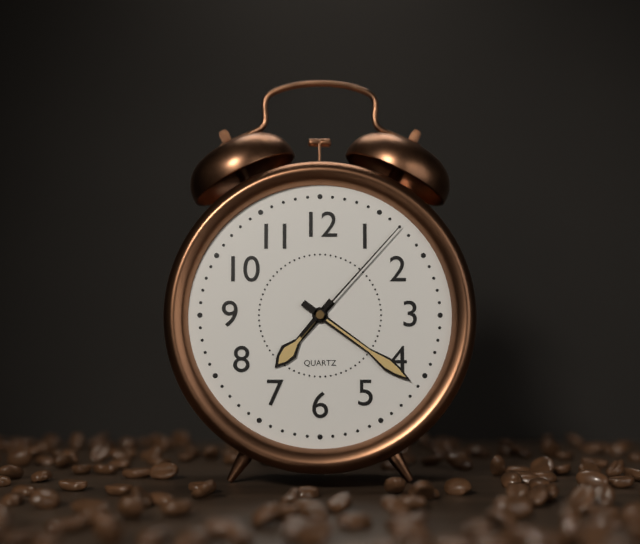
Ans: 7:21:07
